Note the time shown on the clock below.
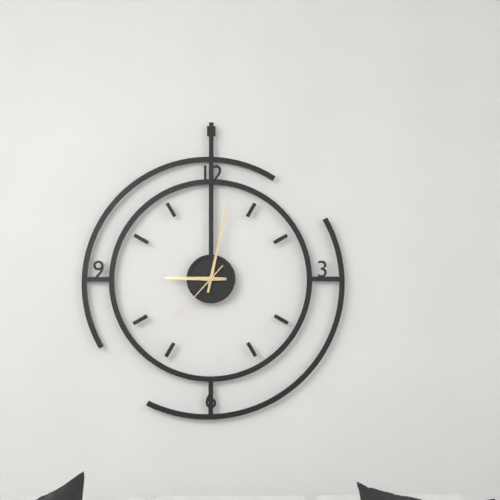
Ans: 9:02:37
